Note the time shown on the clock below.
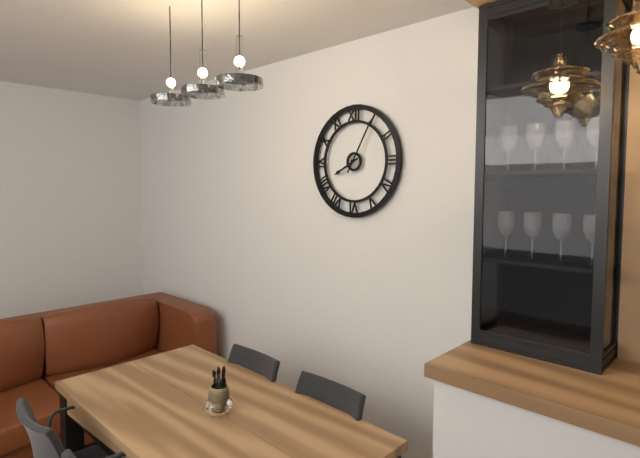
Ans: 8:05
